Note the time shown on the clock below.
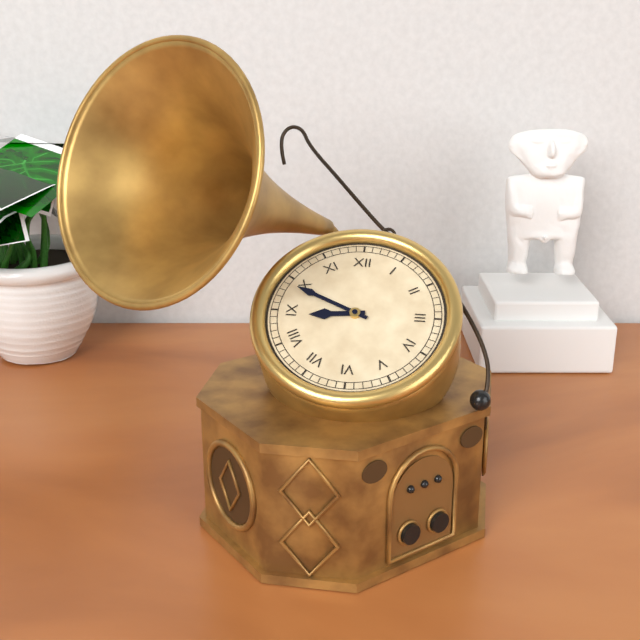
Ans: 8:49
